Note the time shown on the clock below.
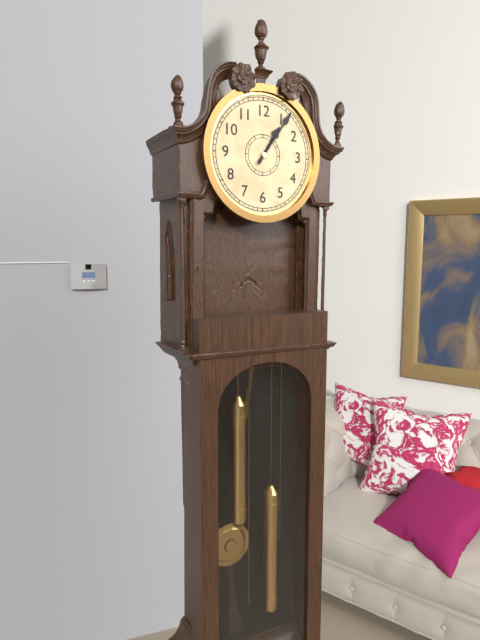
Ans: 1:06
